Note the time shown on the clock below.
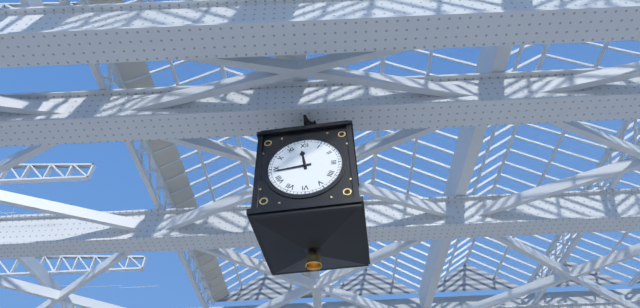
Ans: 11:44
